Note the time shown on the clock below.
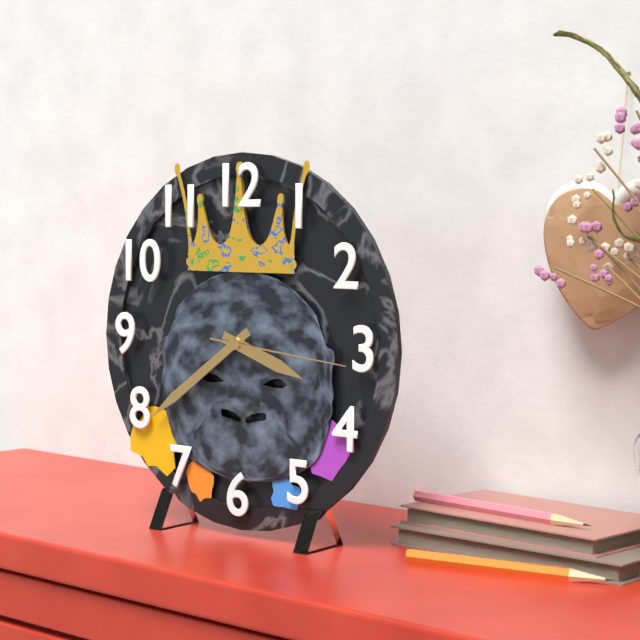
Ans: 3:39:16
